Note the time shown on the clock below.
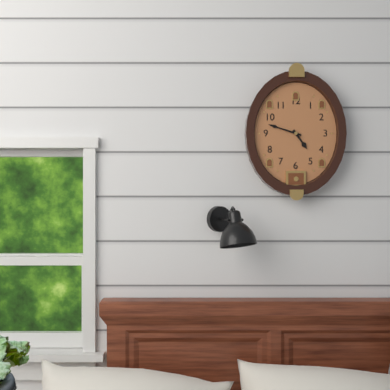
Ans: 4:48
